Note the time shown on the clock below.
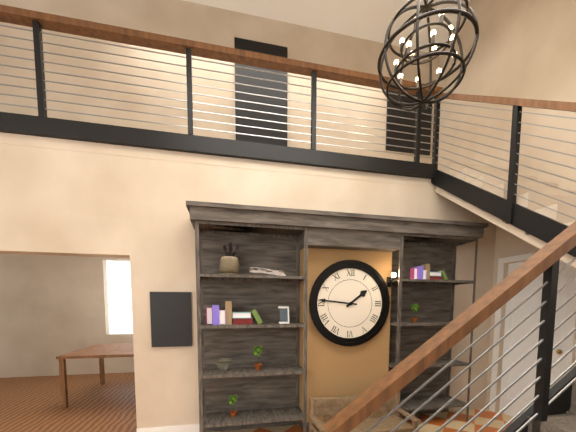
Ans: 1:46
